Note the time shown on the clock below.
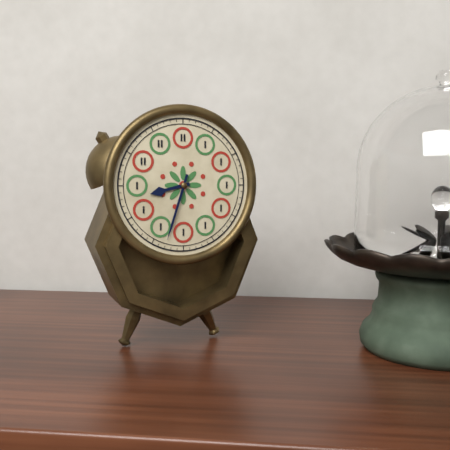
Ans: 8:33
